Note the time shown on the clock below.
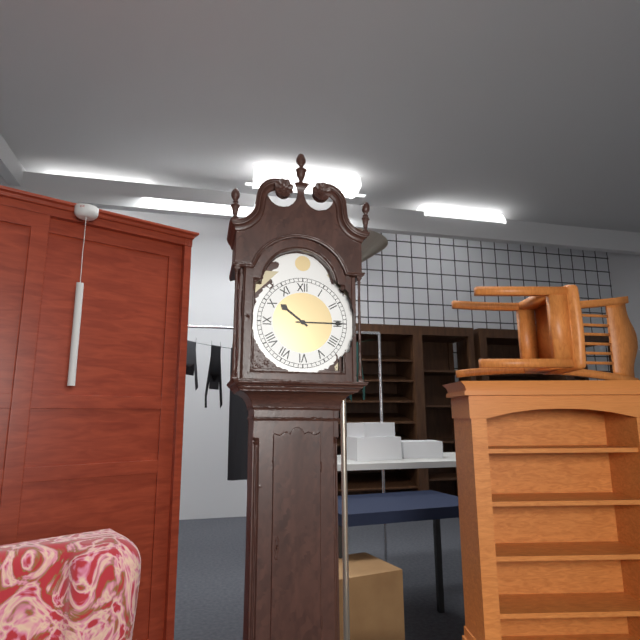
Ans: 10:15
